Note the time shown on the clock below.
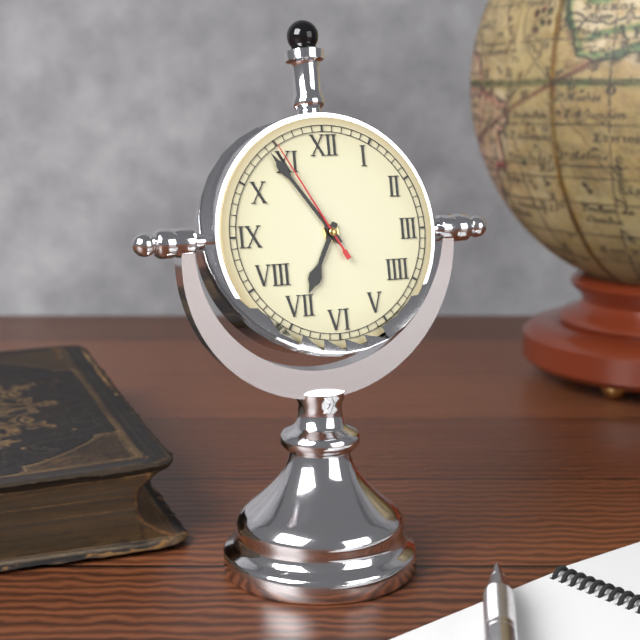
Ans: 6:54:55
